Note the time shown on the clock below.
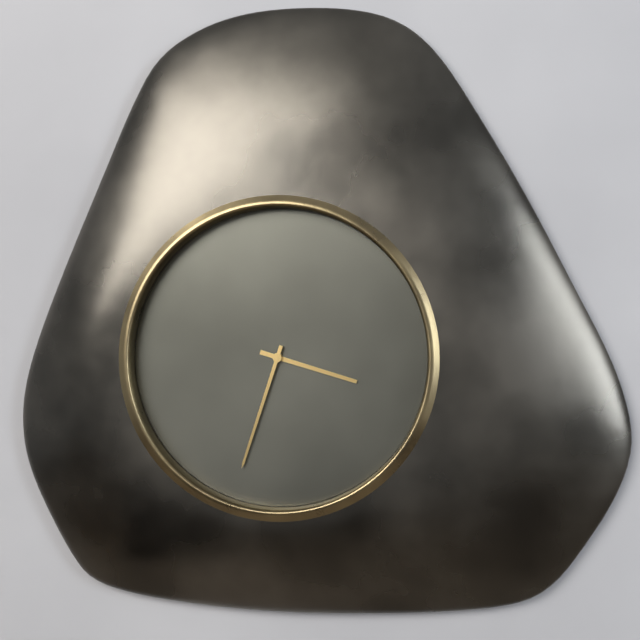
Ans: 3:33
